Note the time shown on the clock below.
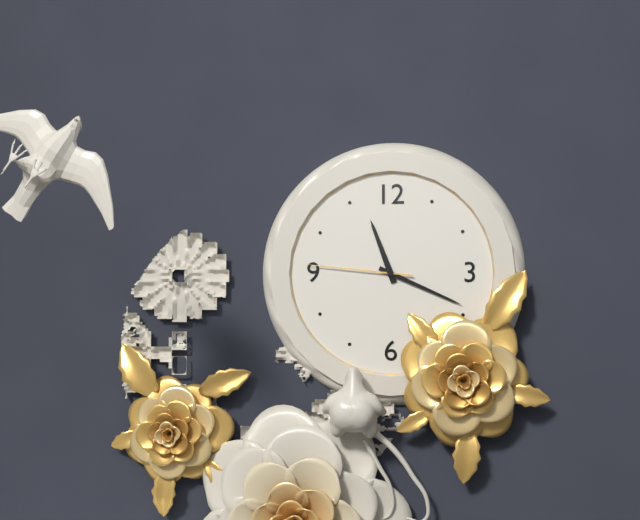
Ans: 11:19:46
